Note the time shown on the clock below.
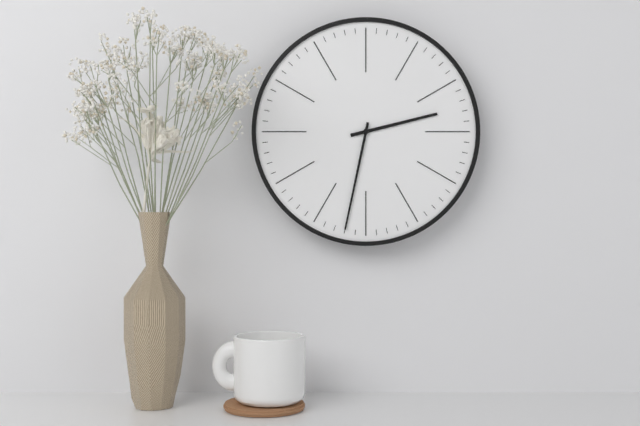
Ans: 2:32
